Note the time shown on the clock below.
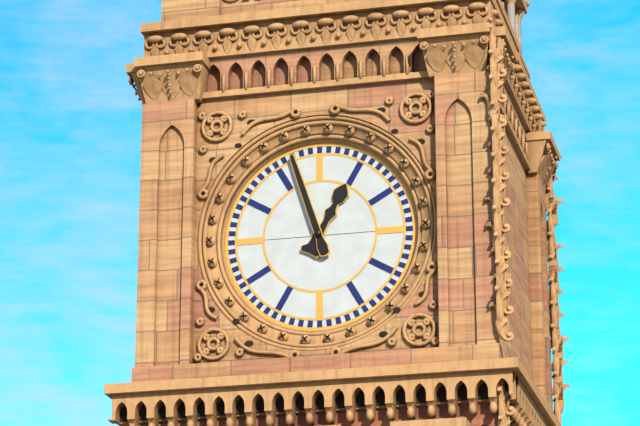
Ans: 12:57
